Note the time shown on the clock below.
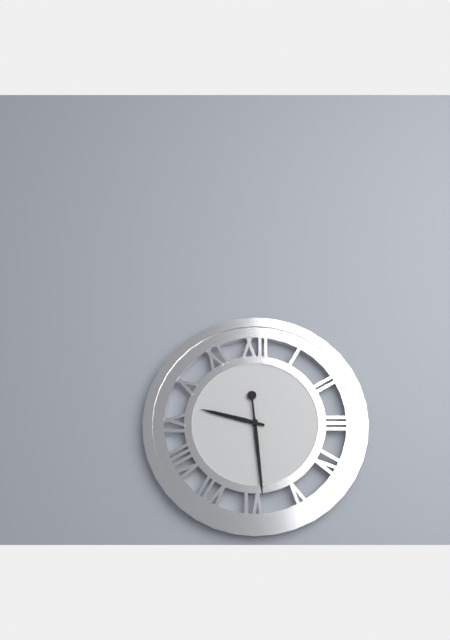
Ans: 9:29
